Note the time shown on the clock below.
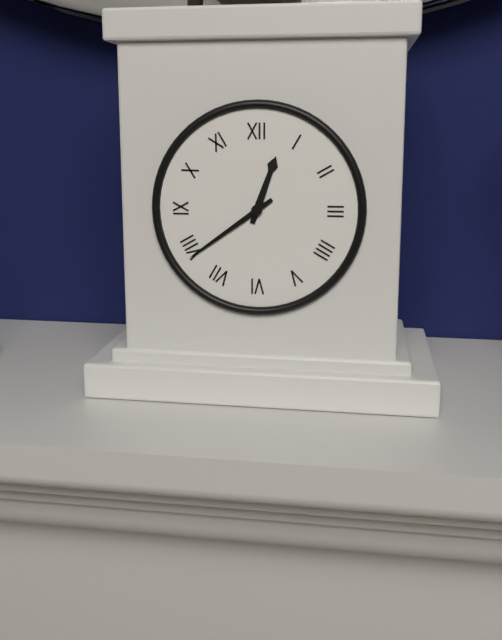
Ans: 12:39
